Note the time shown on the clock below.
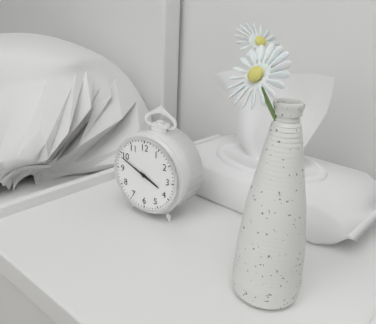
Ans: 3:49
